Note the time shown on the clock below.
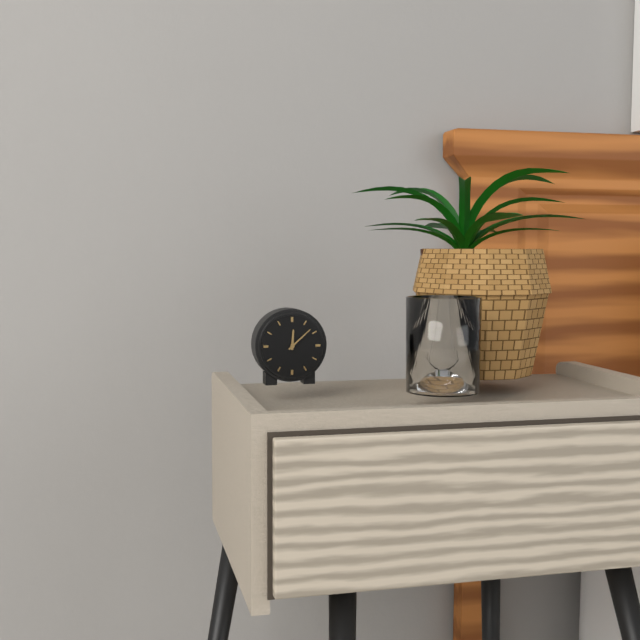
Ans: 12:08
